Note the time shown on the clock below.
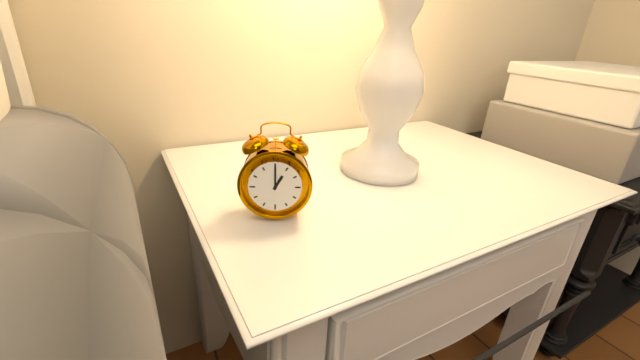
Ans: 1:00
